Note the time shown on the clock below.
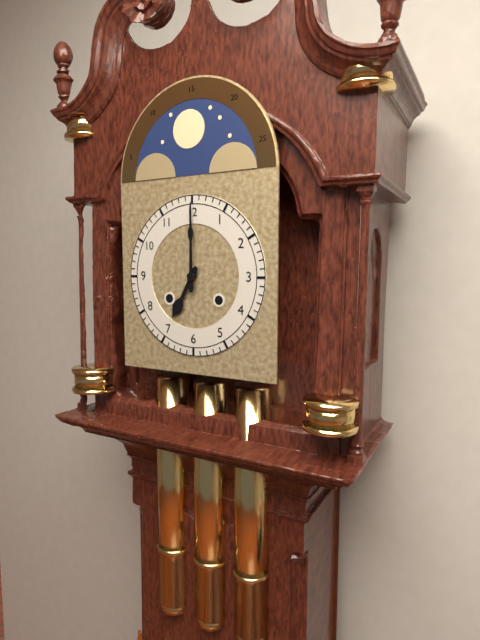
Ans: 7:00
